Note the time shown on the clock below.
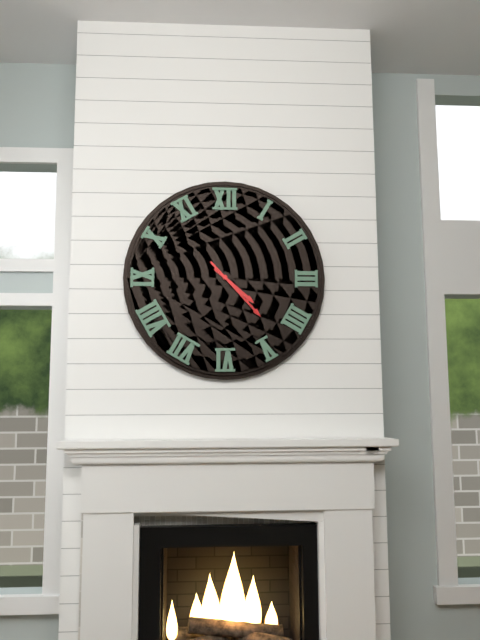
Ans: 4:23
